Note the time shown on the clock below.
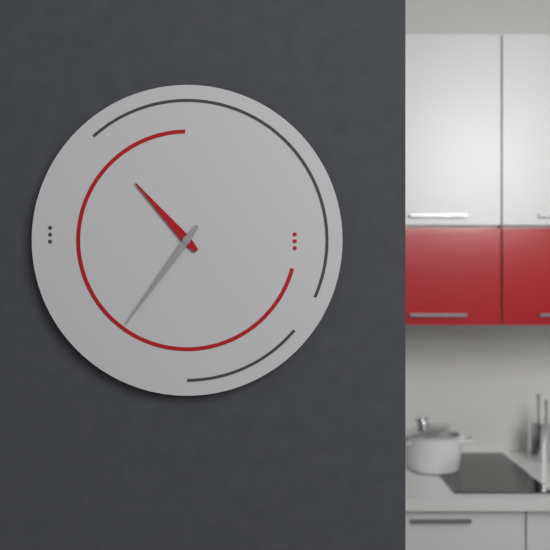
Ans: 10:36
